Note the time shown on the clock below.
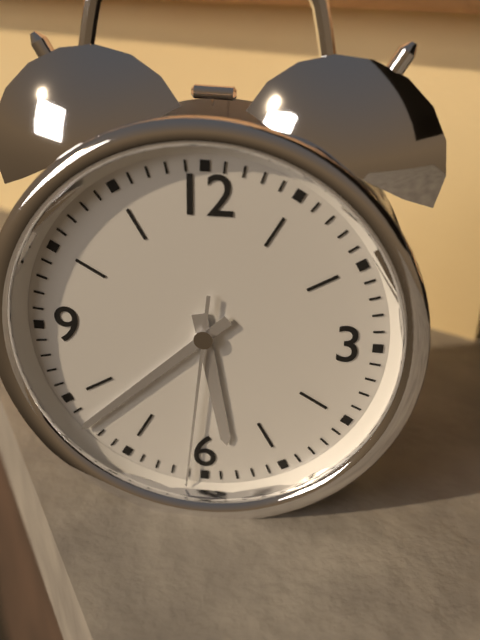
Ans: 5:38:31
